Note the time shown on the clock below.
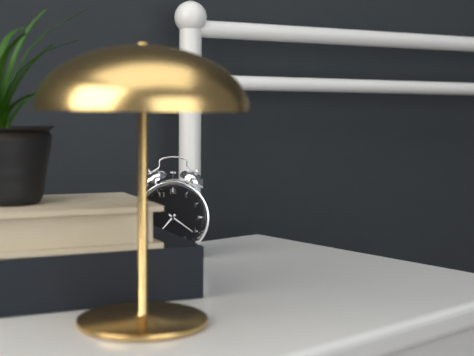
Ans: 7:21
